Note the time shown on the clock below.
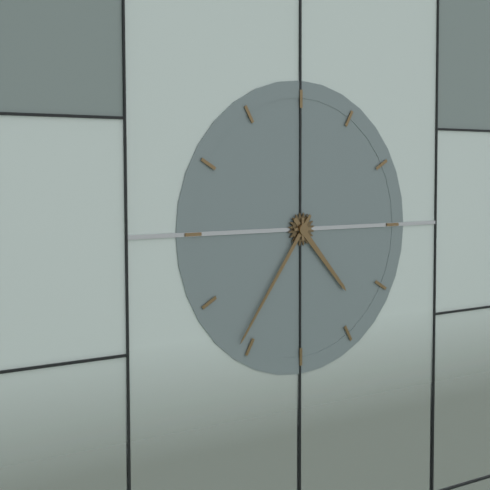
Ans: 4:36
